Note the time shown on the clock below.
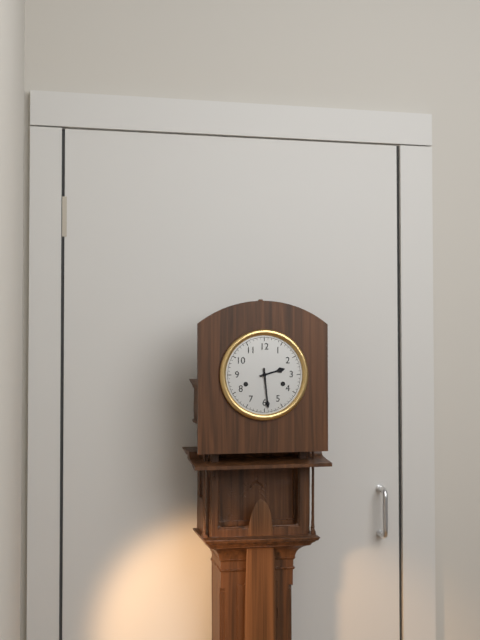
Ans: 2:29
